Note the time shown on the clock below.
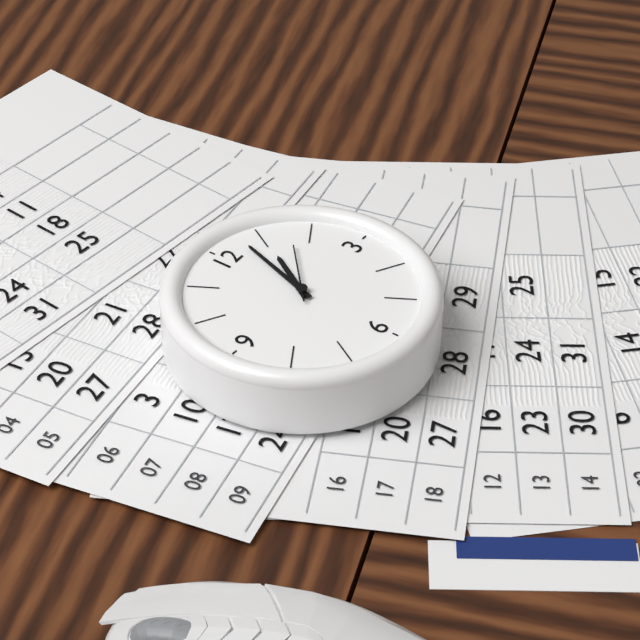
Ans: 1:03:08
